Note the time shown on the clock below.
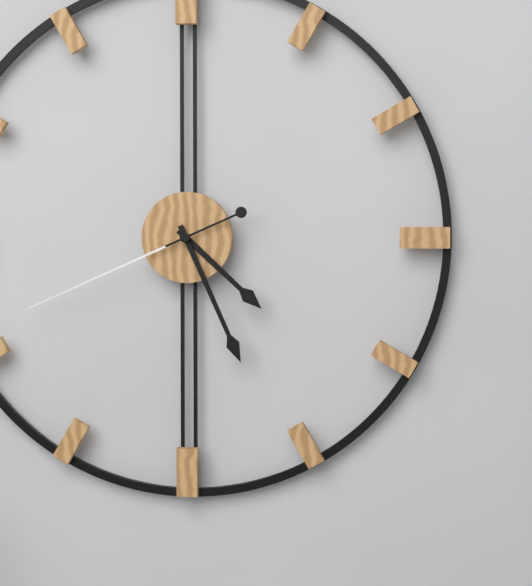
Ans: 4:26:41
